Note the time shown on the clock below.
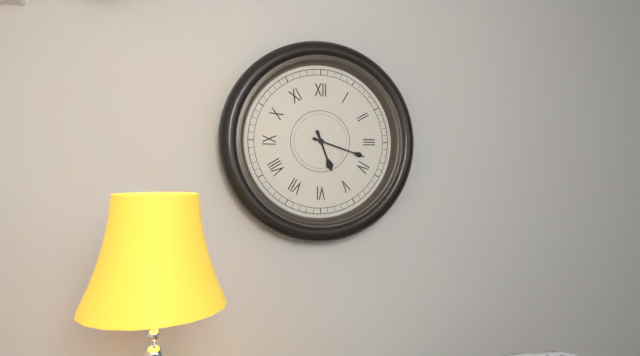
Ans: 5:18
